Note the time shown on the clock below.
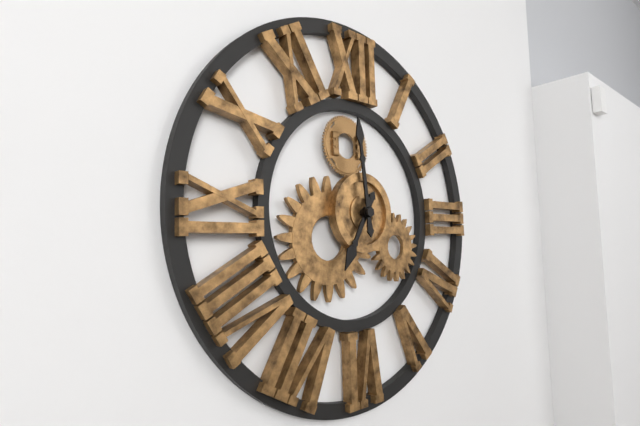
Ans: 6:59
